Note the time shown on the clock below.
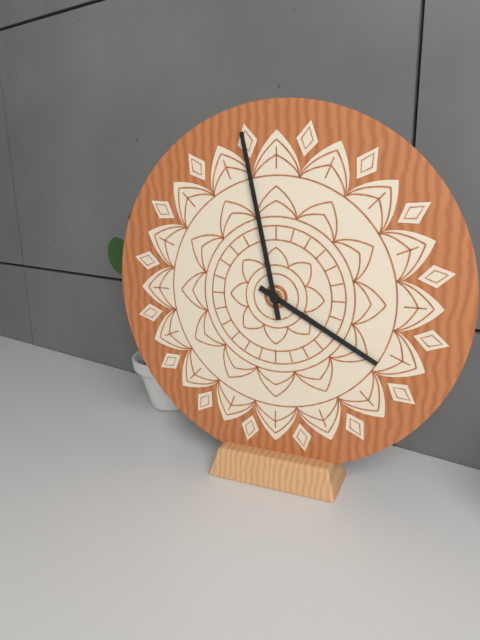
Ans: 3:58
